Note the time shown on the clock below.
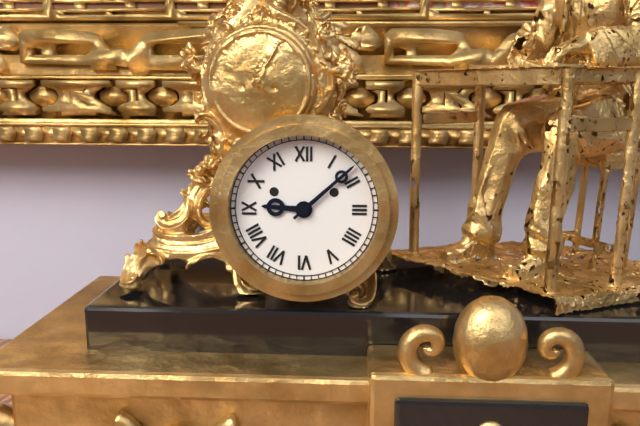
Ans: 9:08
